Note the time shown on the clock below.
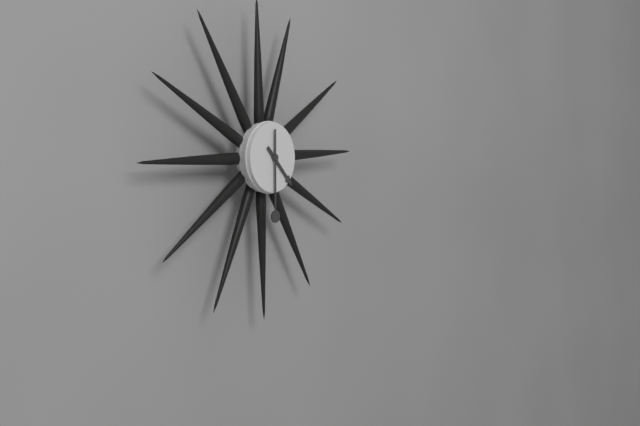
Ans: 4:30
